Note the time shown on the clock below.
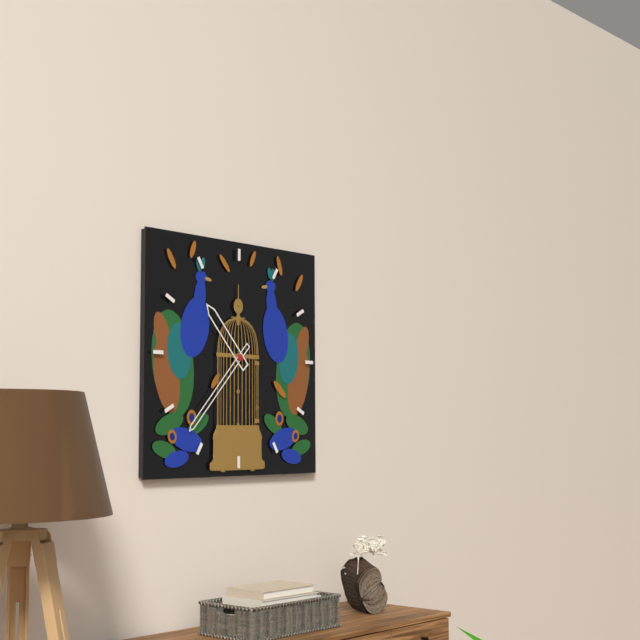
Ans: 10:37
